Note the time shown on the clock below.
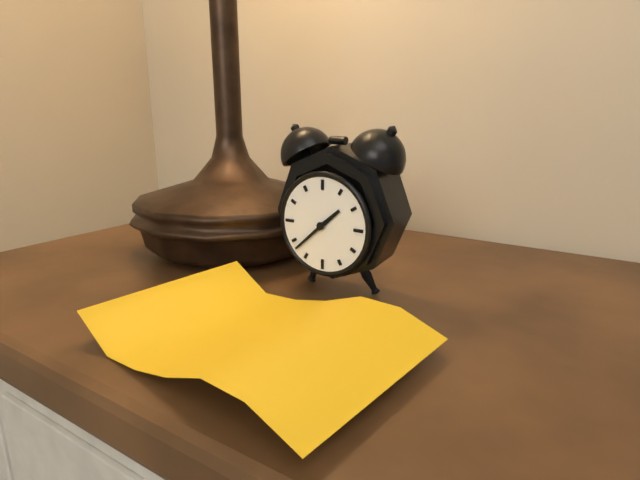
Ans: 1:38
